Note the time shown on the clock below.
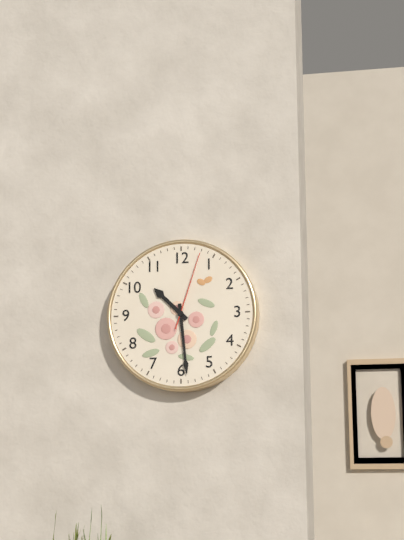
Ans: 10:29:03
